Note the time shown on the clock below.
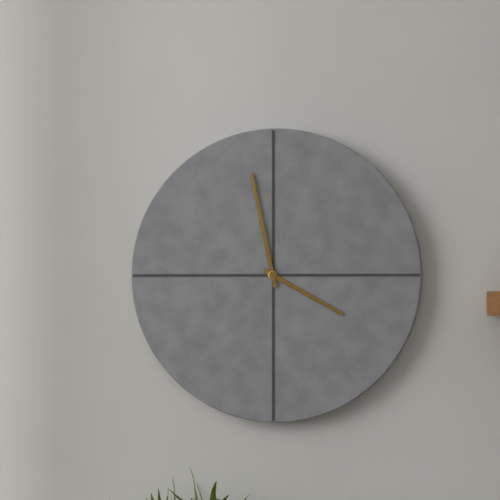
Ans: 3:58
